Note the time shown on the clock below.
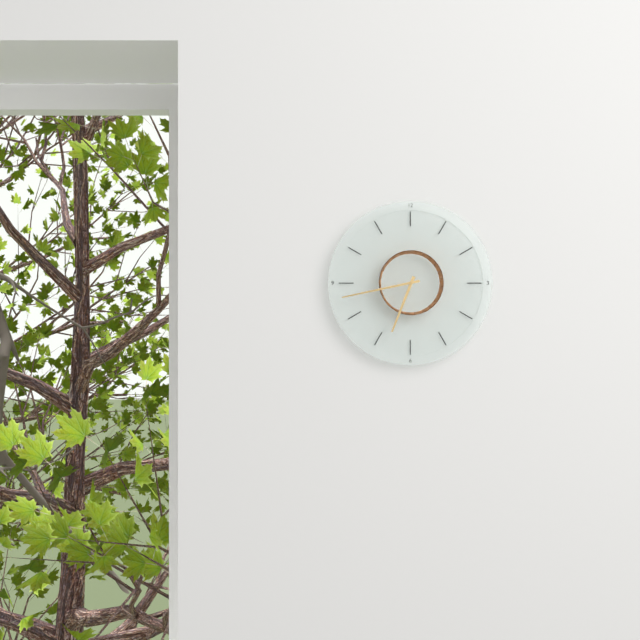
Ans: 6:43
